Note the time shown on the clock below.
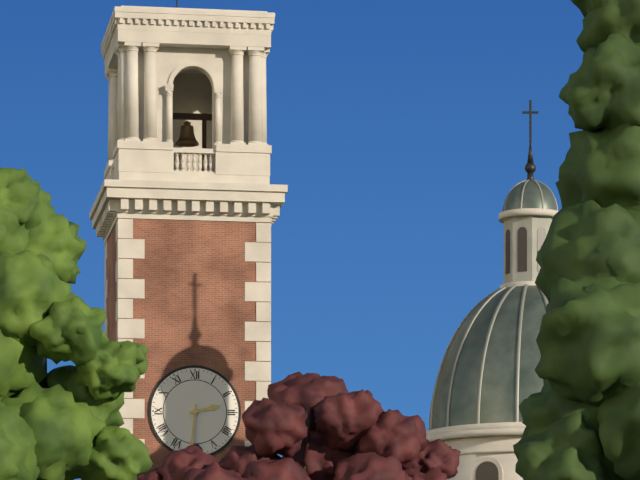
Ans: 2:31
